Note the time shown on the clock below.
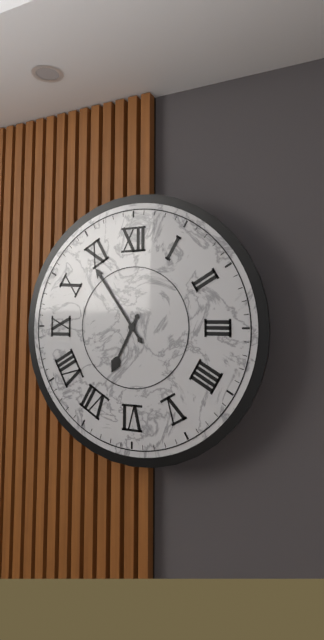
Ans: 6:54
